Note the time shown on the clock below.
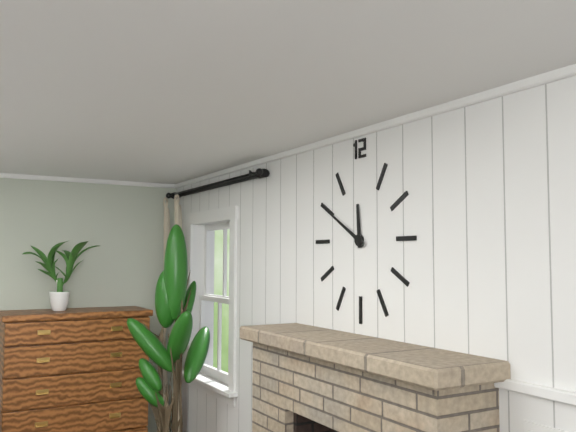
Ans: 11:50
